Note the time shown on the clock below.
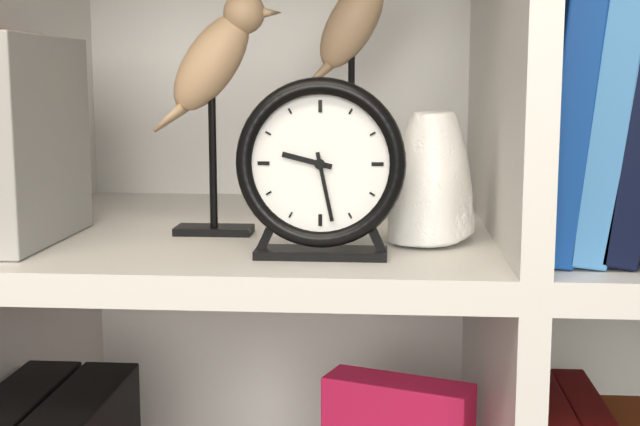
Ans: 9:28
